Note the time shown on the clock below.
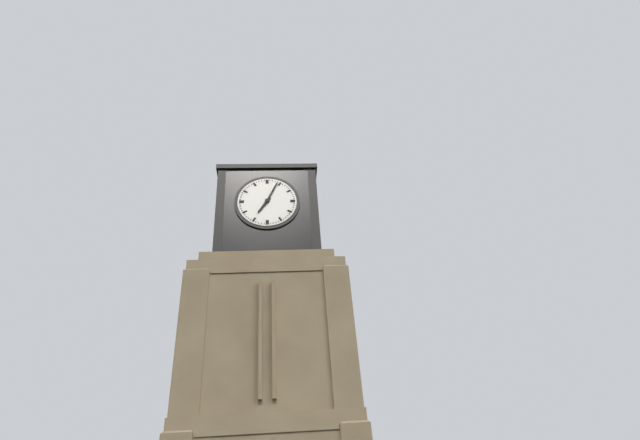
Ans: 7:04
